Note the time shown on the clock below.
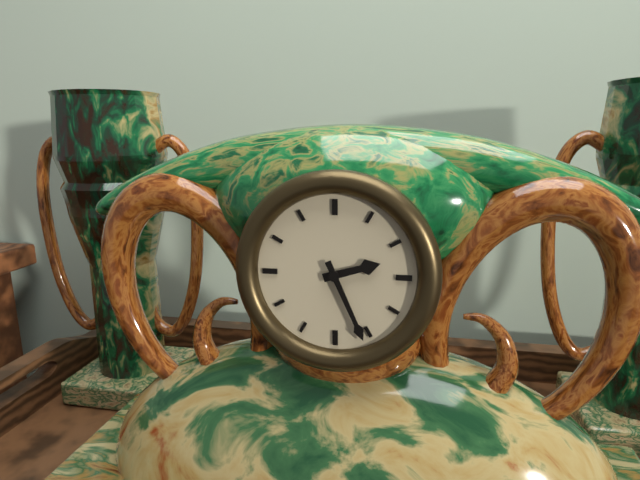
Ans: 2:26
